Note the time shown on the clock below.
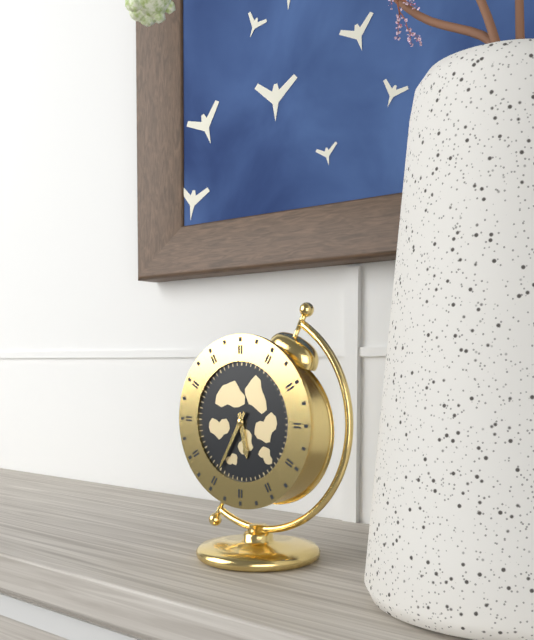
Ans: 5:35
